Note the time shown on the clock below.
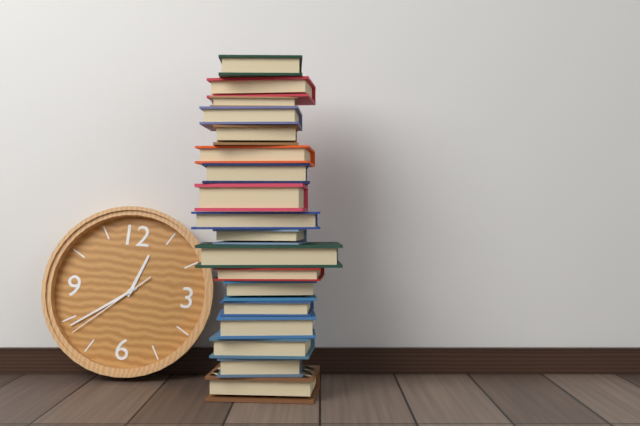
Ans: 12:39:38
